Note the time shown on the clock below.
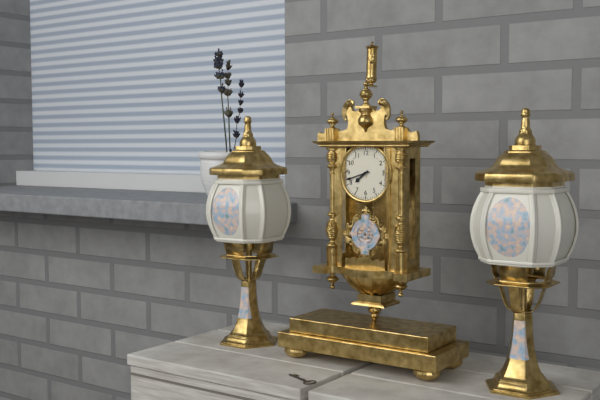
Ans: 7:42
